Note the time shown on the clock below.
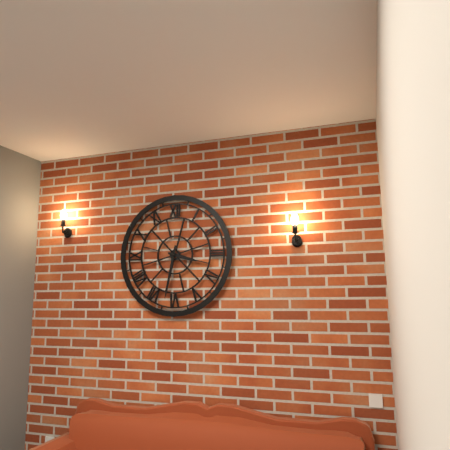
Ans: 3:32
